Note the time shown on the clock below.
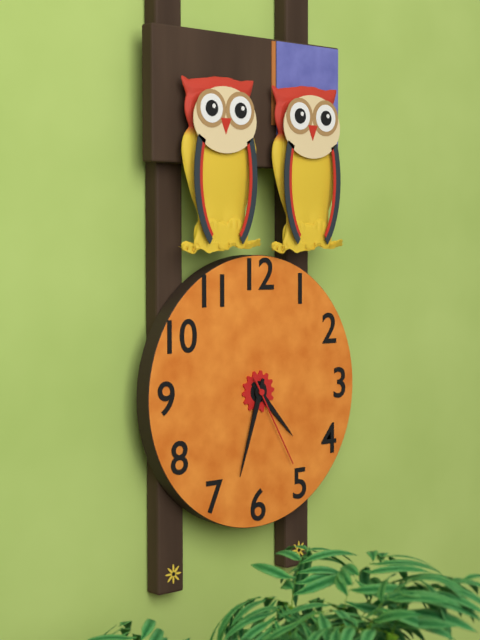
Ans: 4:33:25
